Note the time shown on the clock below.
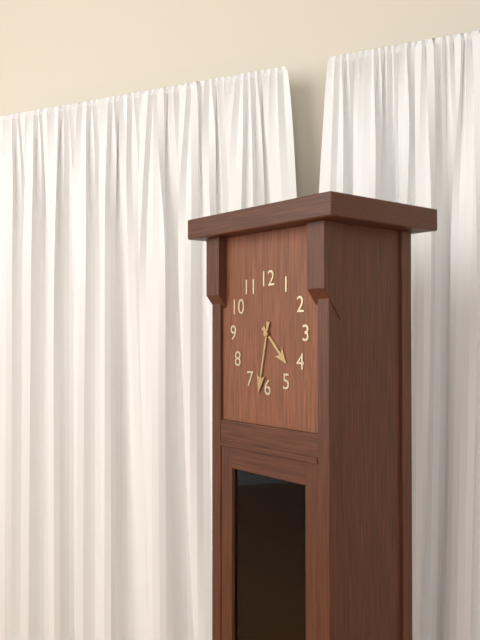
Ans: 4:32
